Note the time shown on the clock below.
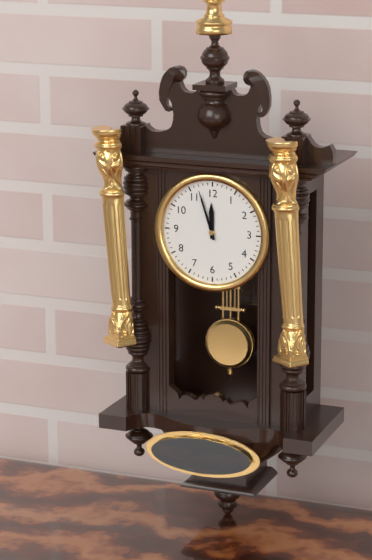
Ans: 11:57
